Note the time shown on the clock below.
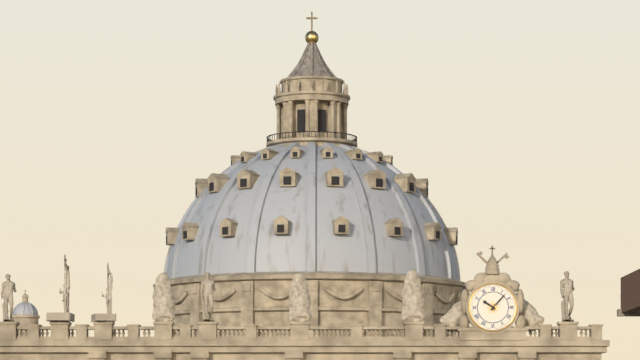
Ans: 10:07
